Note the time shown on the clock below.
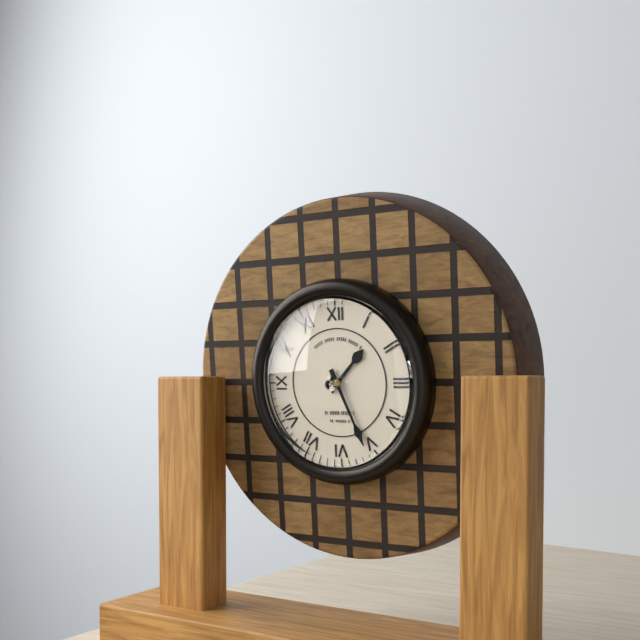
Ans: 1:26
